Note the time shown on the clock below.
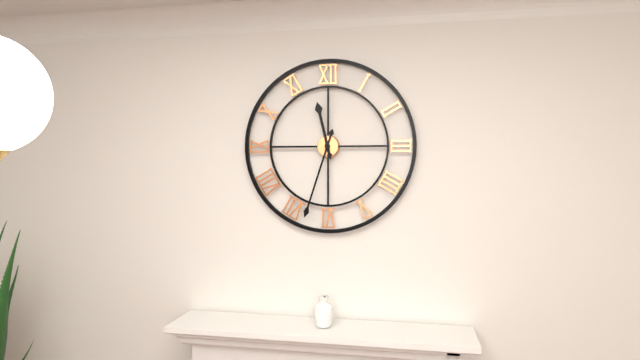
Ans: 11:33
